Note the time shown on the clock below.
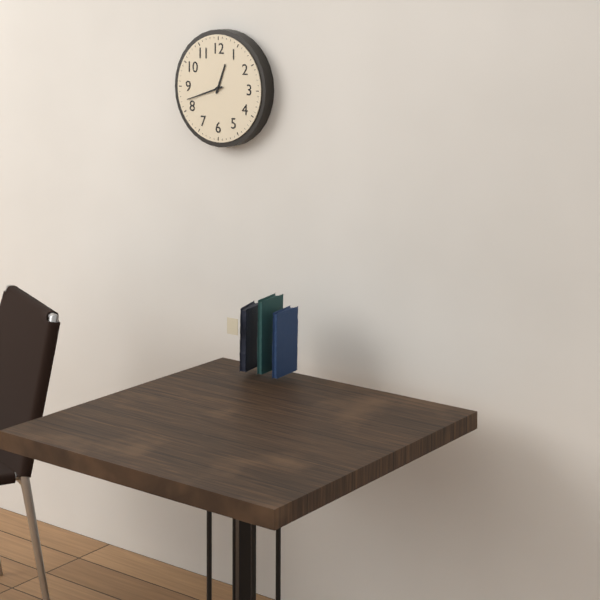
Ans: 12:42
